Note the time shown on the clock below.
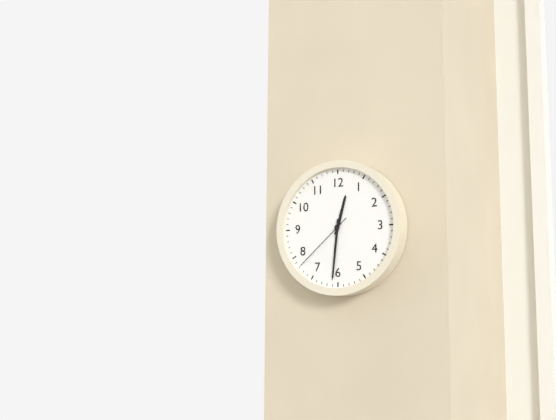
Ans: 12:31:38
